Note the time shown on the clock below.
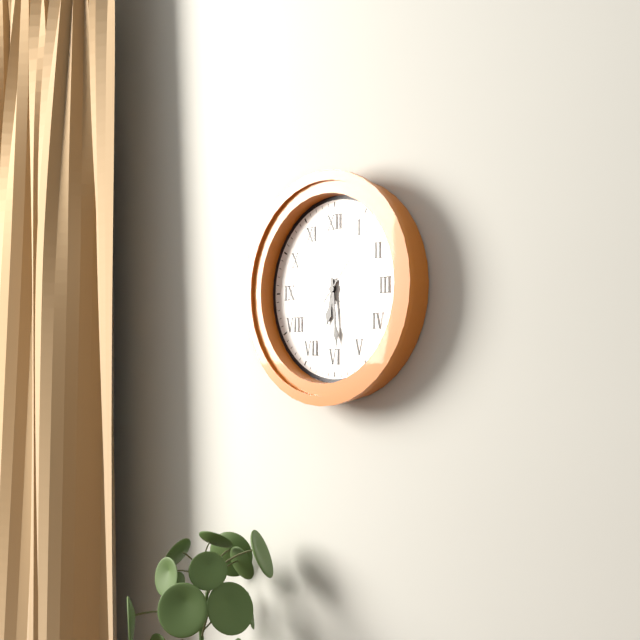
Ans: 6:29:07
